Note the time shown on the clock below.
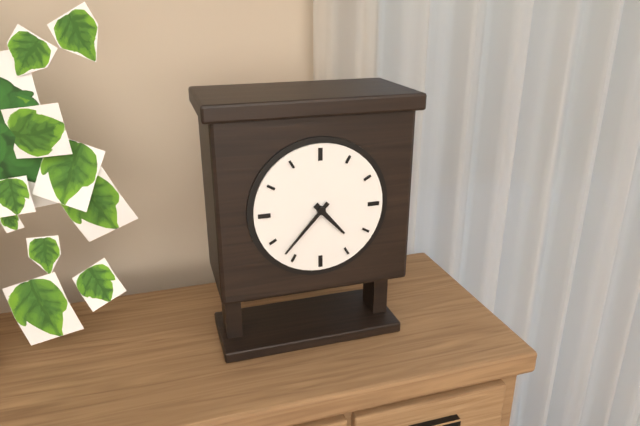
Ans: 4:37
